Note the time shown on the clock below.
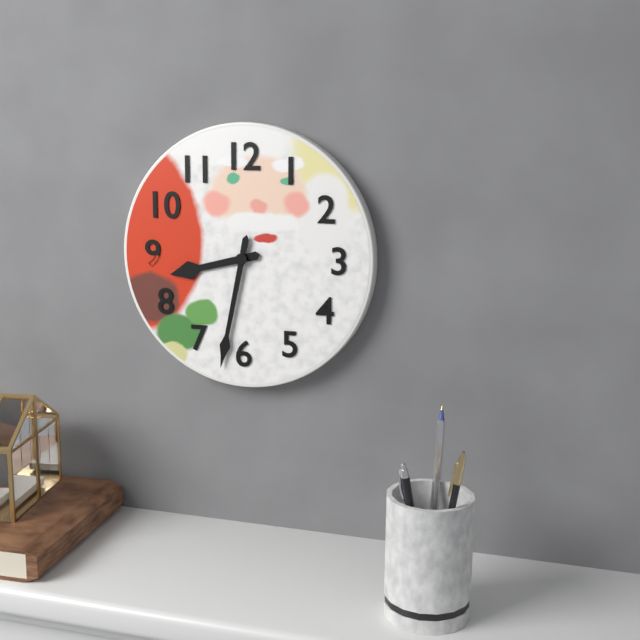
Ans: 8:32
